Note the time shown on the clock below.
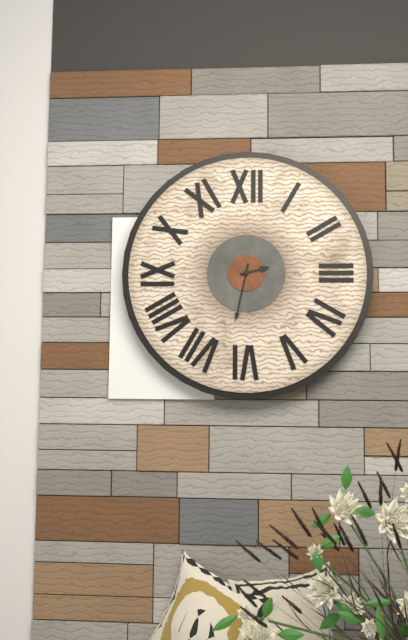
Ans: 2:32
